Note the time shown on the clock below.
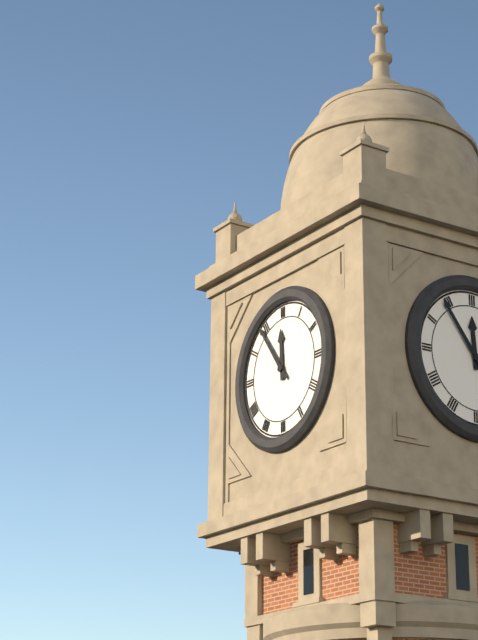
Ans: 11:54
